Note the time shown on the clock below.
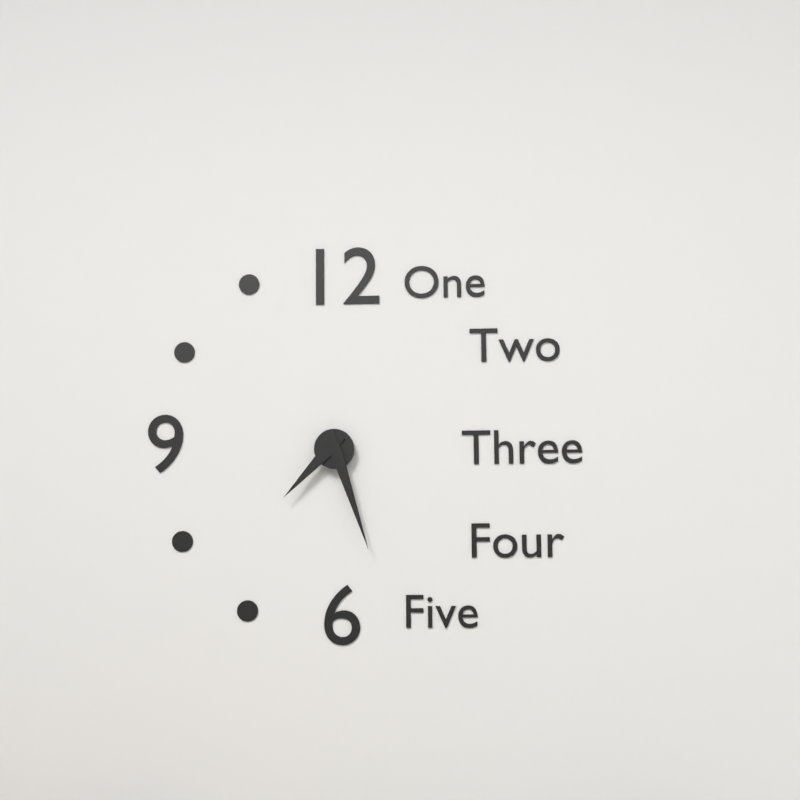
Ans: 7:27
